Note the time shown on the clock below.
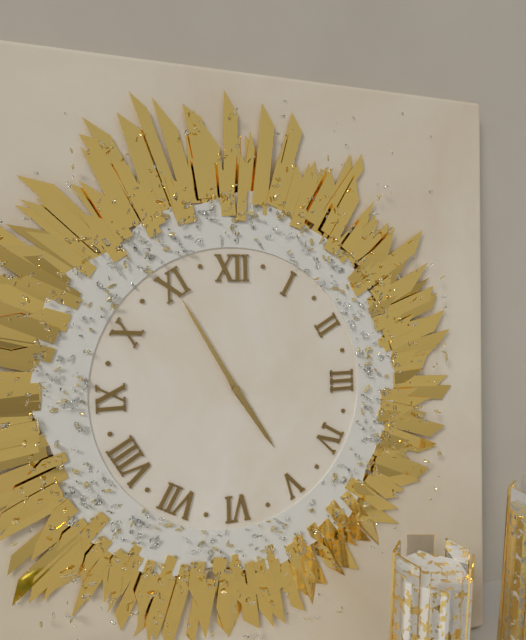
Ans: 4:55
